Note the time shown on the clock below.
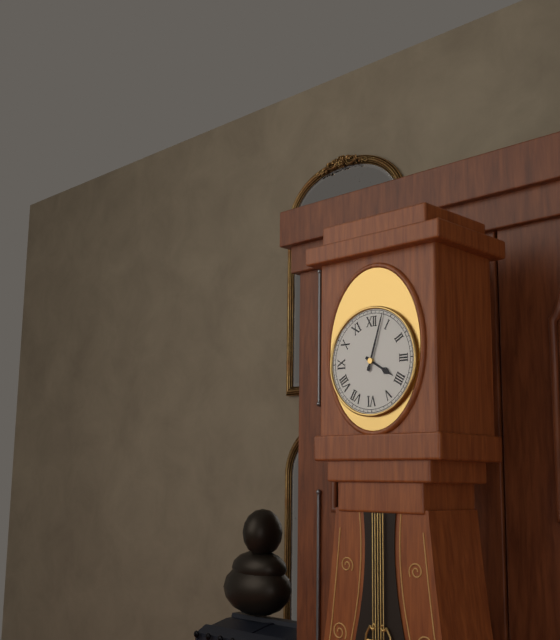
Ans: 4:03
